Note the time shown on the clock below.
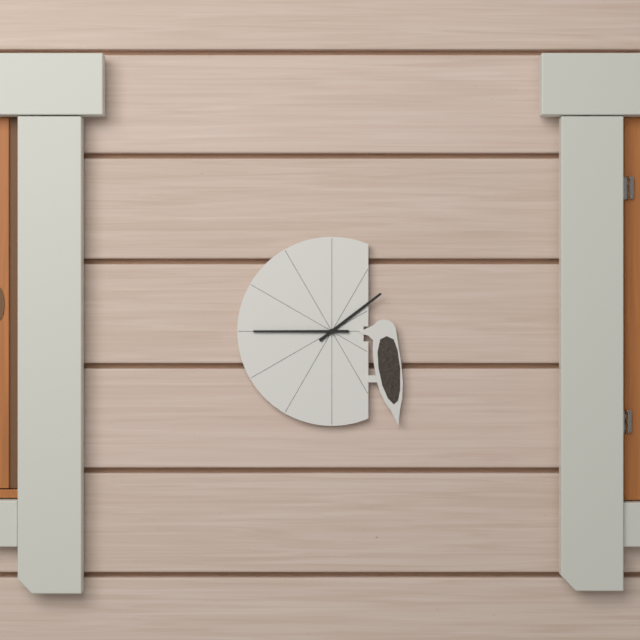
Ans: 1:45
